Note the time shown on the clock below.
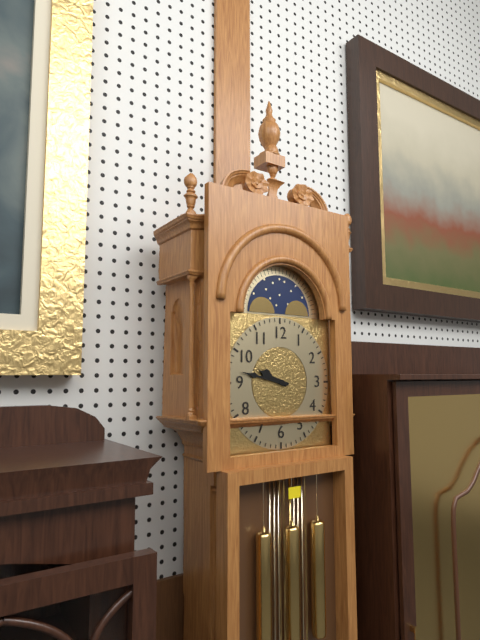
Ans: 9:47
